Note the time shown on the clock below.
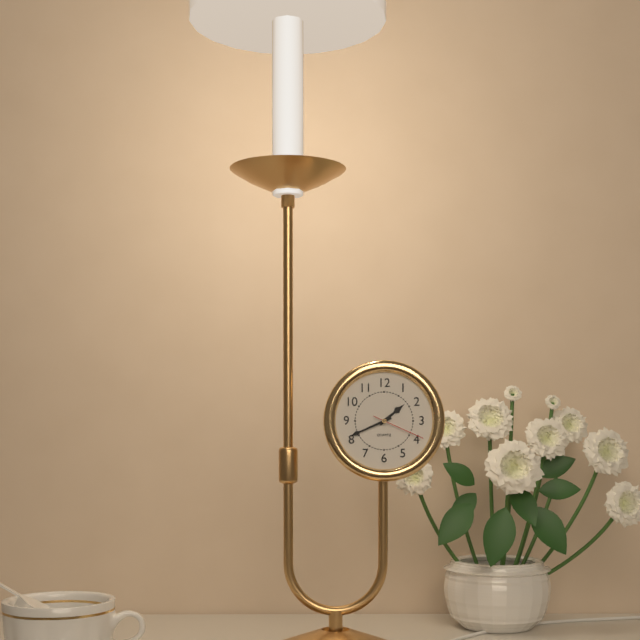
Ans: 1:41:19
